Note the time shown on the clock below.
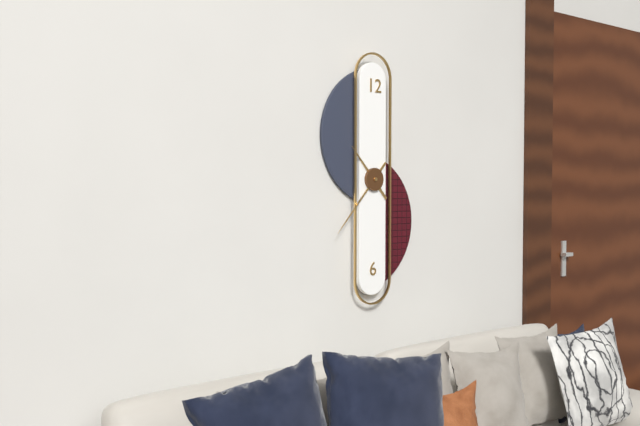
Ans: 10:37
